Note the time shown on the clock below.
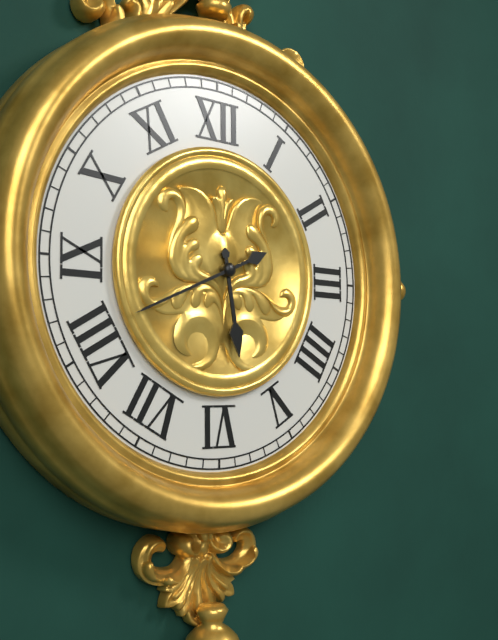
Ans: 5:41
